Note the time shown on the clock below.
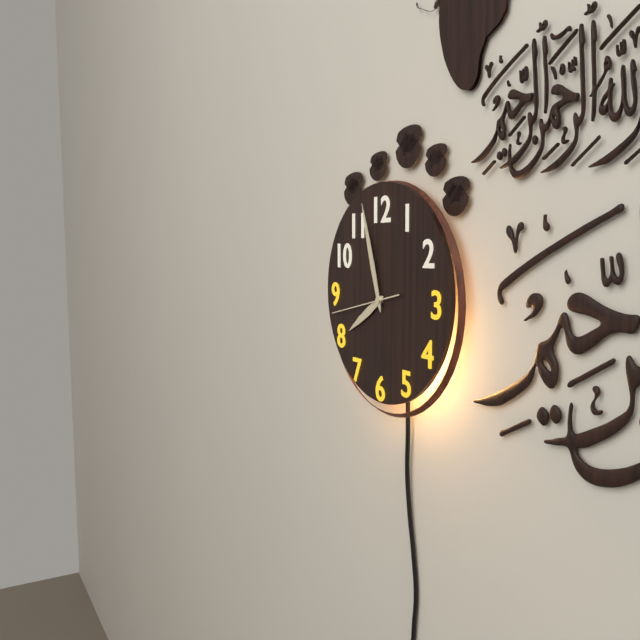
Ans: 7:57:43
